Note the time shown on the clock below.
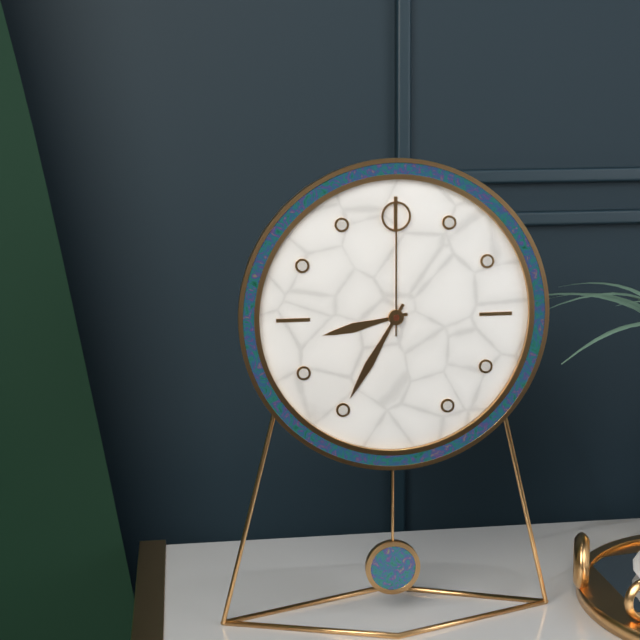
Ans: 8:35:00
